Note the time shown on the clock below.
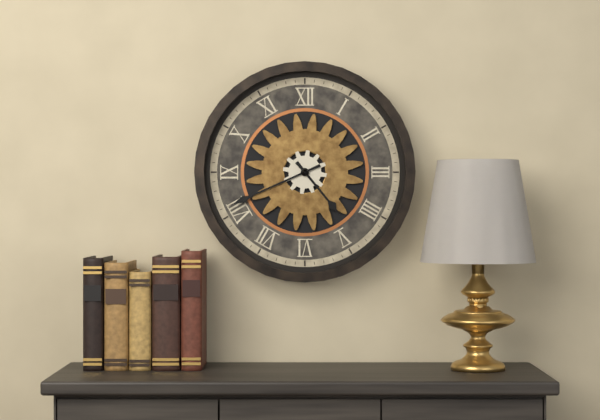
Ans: 4:41
